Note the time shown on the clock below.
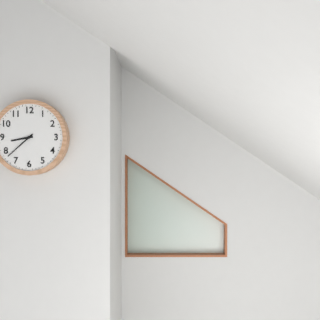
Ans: 8:38
